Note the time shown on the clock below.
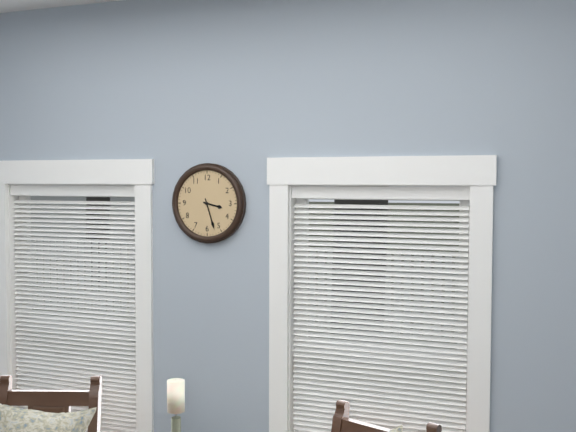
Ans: 3:27
